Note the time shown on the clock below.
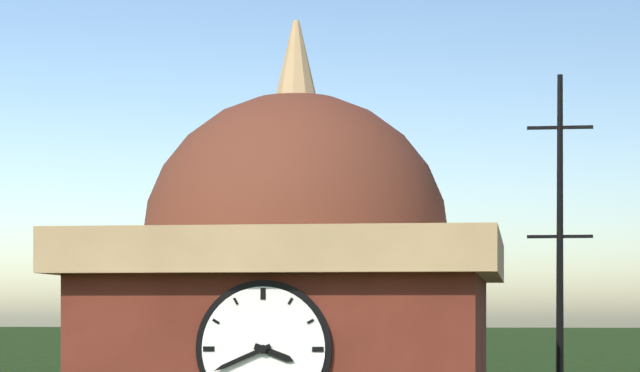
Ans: 3:41
